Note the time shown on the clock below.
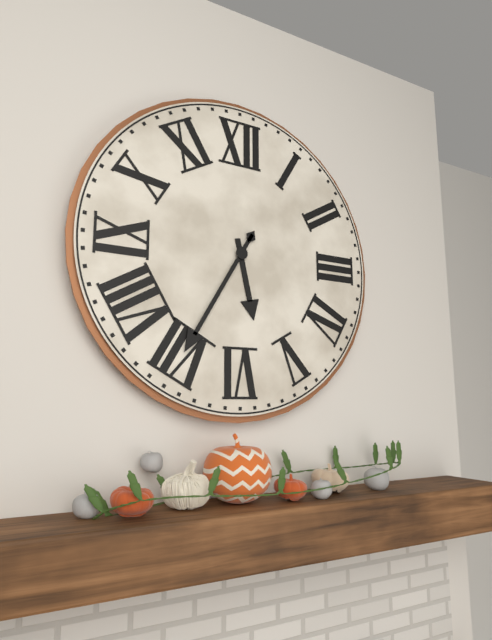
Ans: 5:35
